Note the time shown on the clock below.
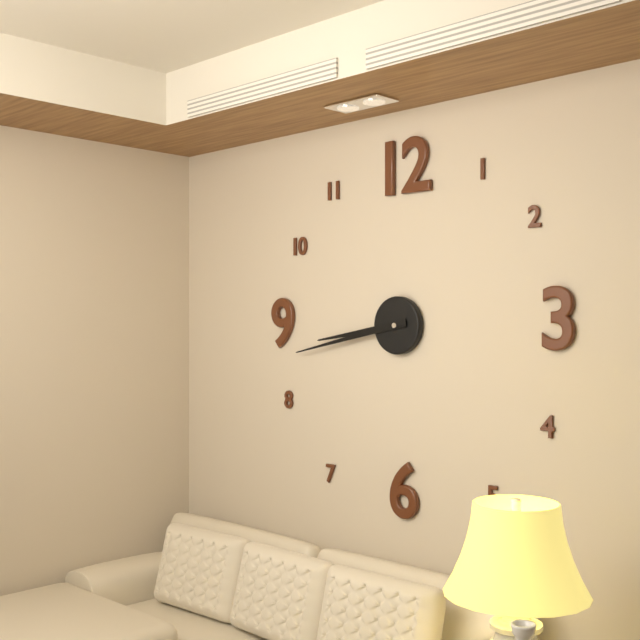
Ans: 8:43
